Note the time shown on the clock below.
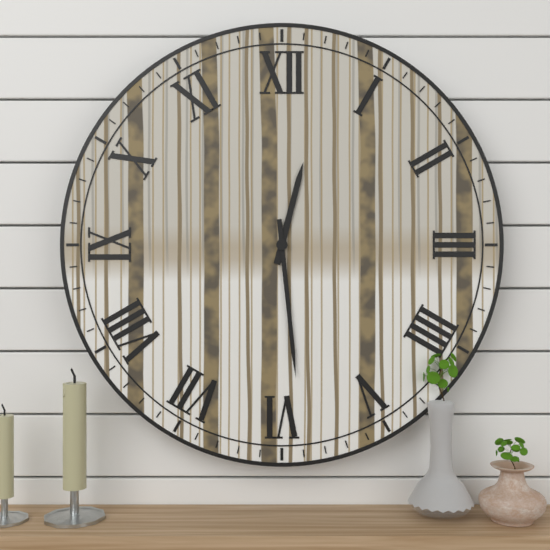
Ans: 12:29
